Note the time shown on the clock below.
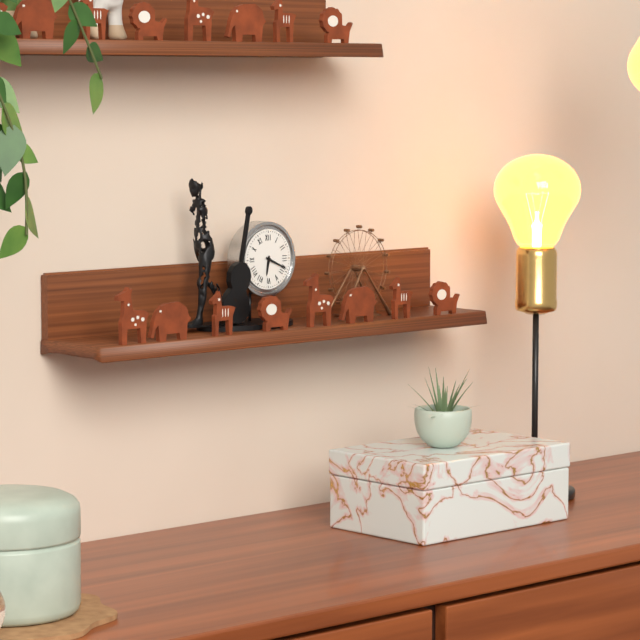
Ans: 6:19
